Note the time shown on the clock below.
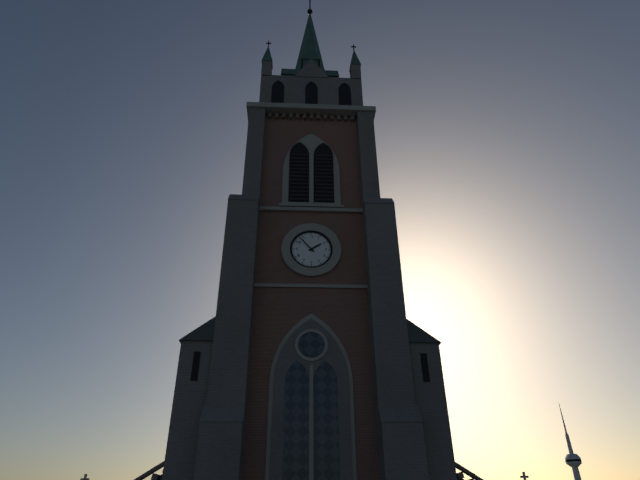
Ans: 1:53
